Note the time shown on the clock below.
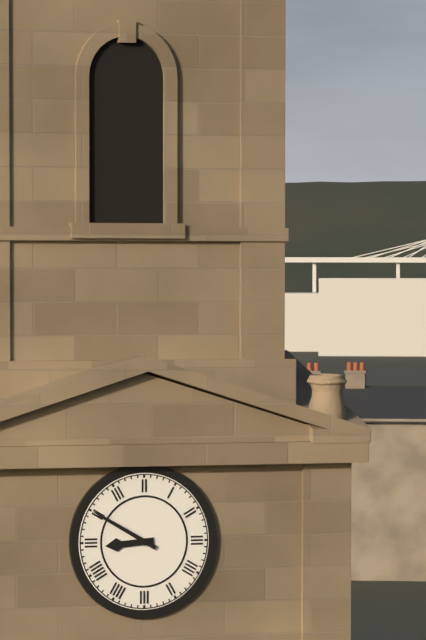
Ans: 8:50
